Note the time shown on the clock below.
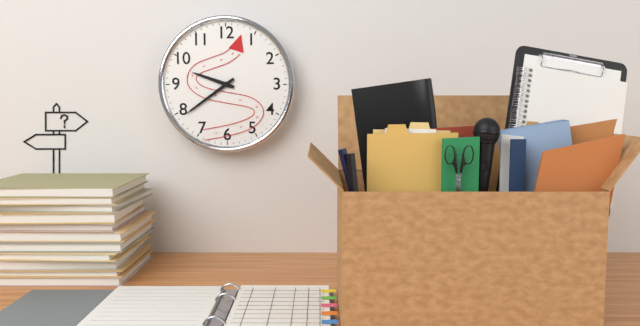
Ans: 9:39
